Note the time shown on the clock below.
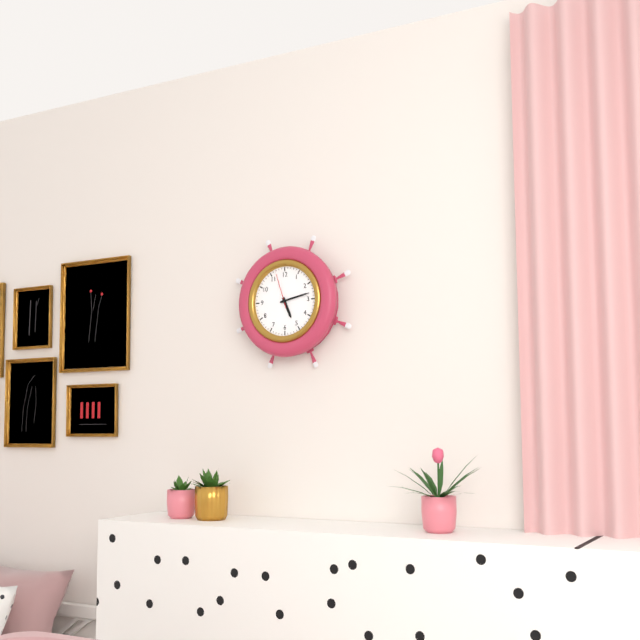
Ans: 5:13
